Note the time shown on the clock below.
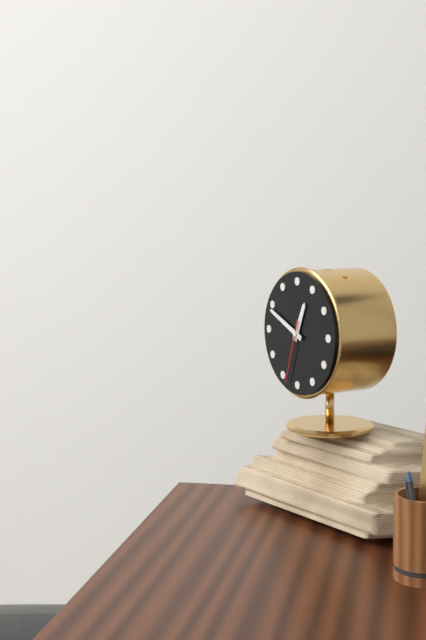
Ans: 12:49:33
